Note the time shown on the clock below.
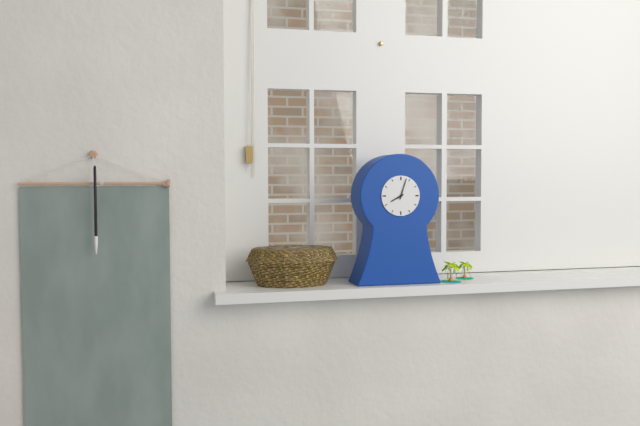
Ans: 8:03
